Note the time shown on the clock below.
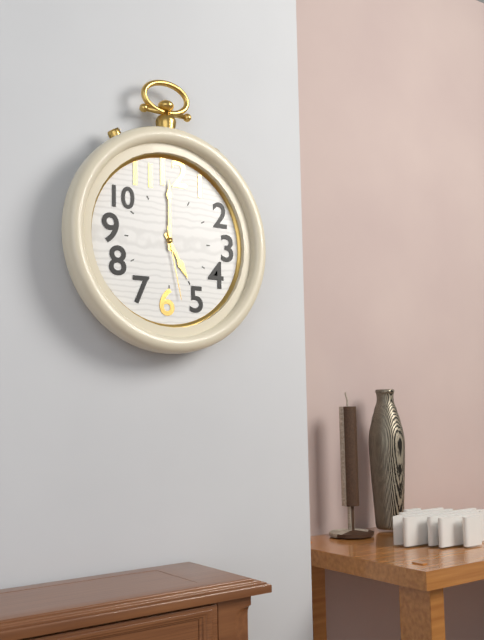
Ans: 5:00:28
